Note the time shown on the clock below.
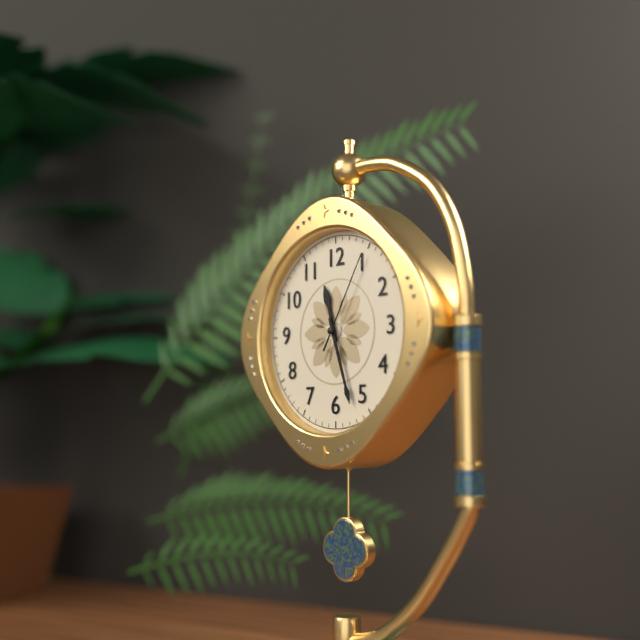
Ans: 11:27:05
